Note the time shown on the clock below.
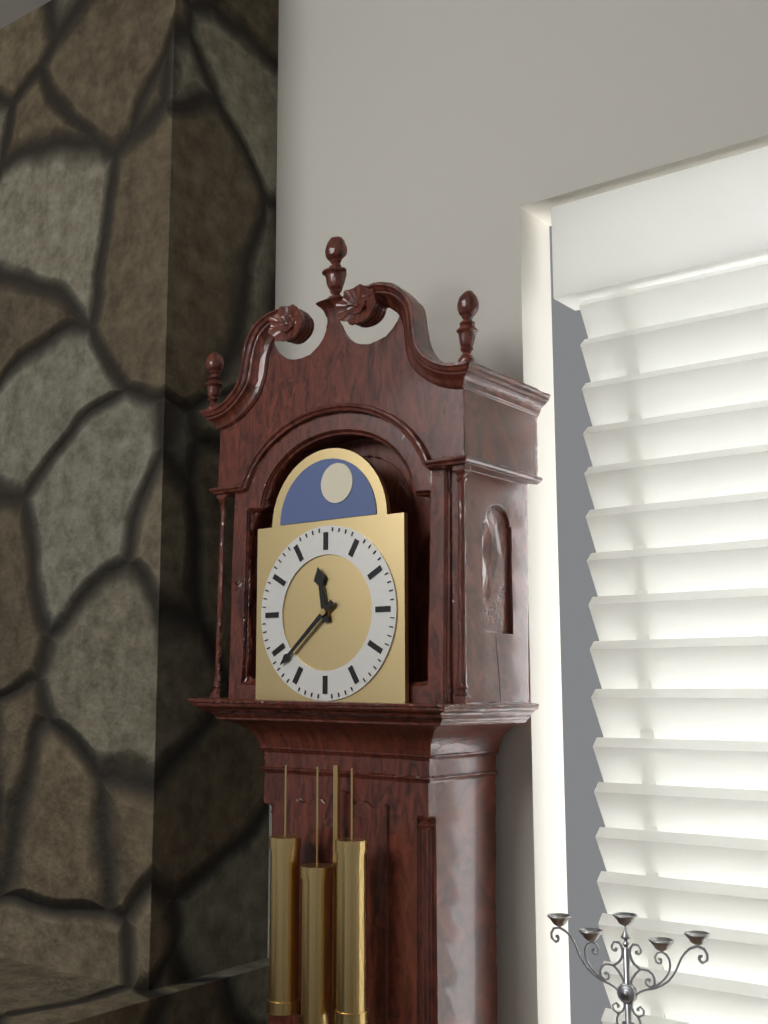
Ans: 11:38
